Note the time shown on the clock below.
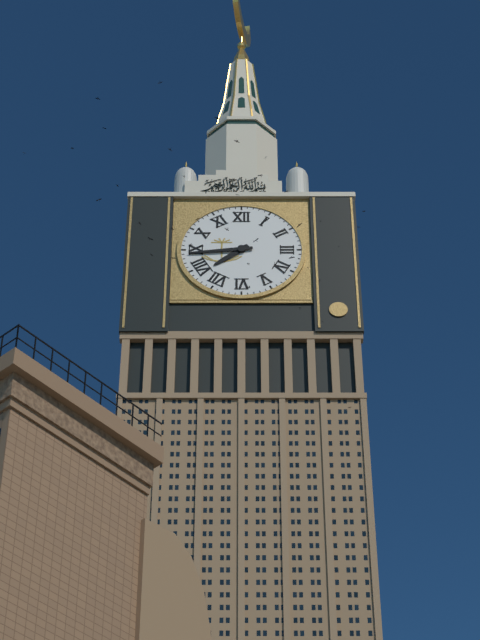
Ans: 7:44
